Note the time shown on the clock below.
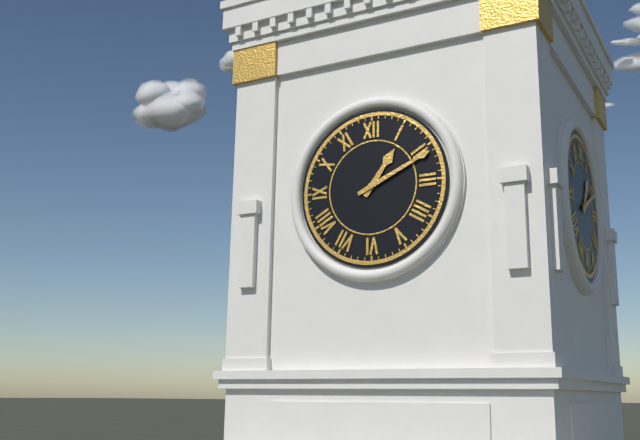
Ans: 1:11
